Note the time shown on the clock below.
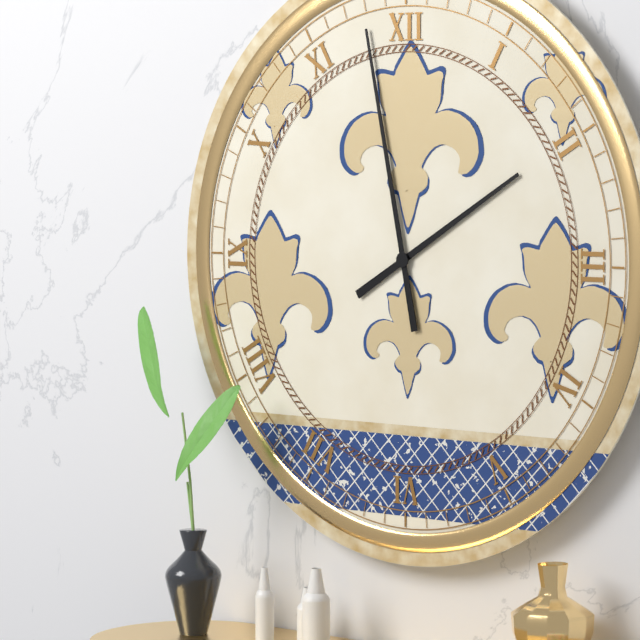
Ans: 1:58
